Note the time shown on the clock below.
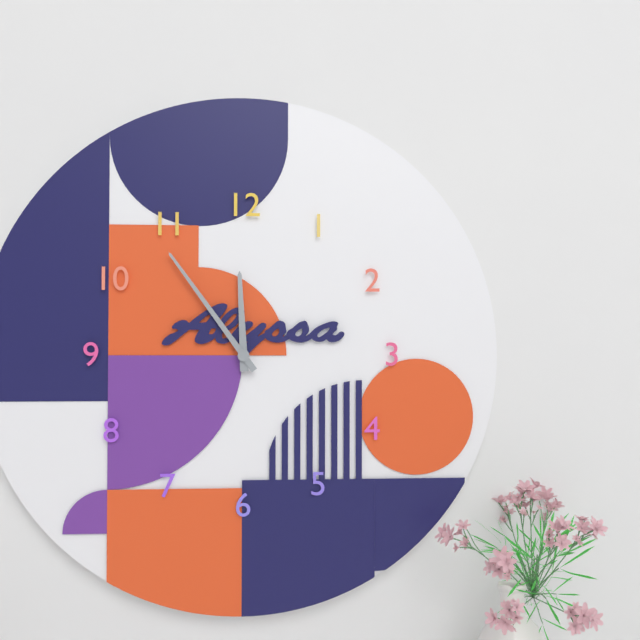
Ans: 11:54
